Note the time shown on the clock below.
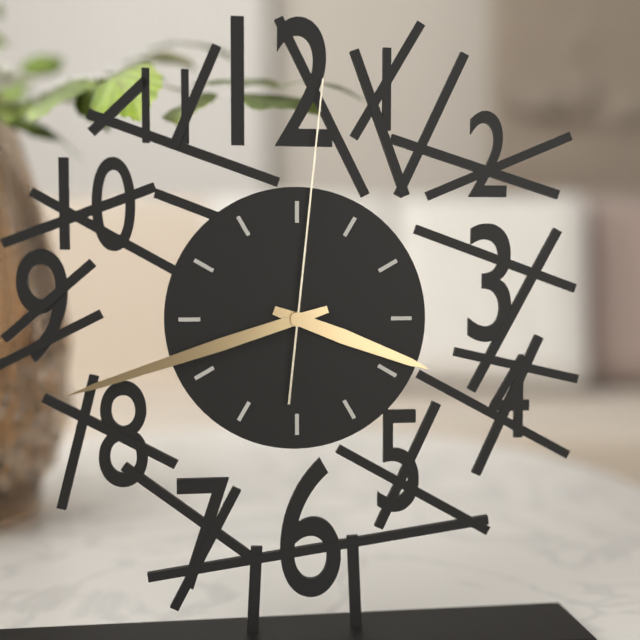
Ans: 3:42:01
